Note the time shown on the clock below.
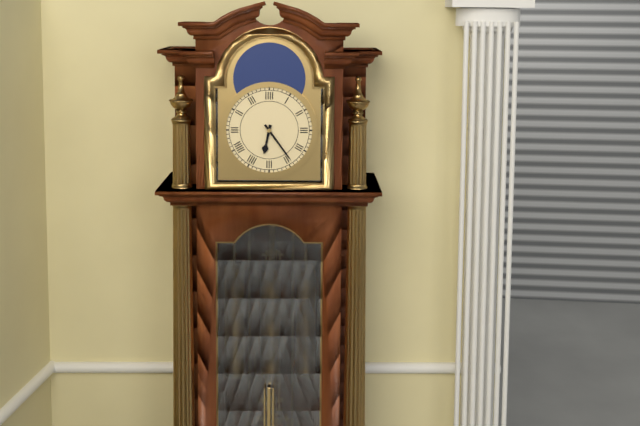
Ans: 6:24
